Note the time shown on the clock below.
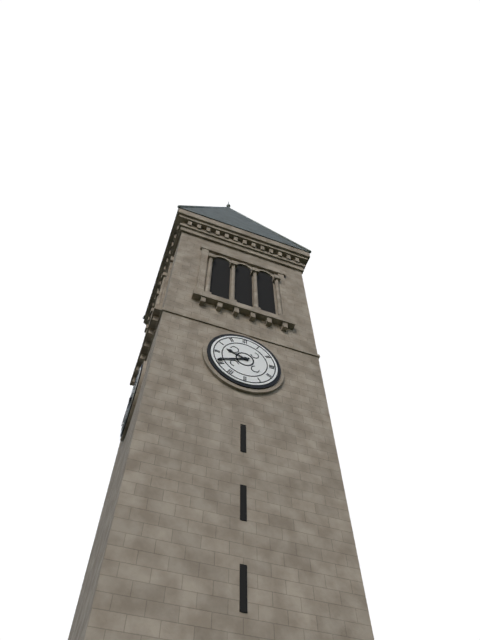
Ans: 9:41
